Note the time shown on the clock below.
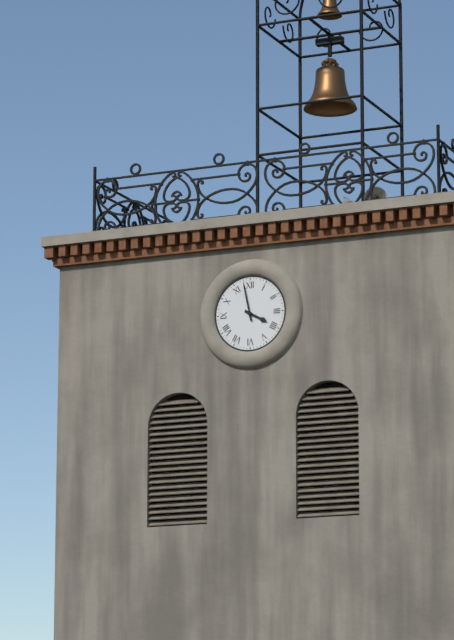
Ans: 3:58
